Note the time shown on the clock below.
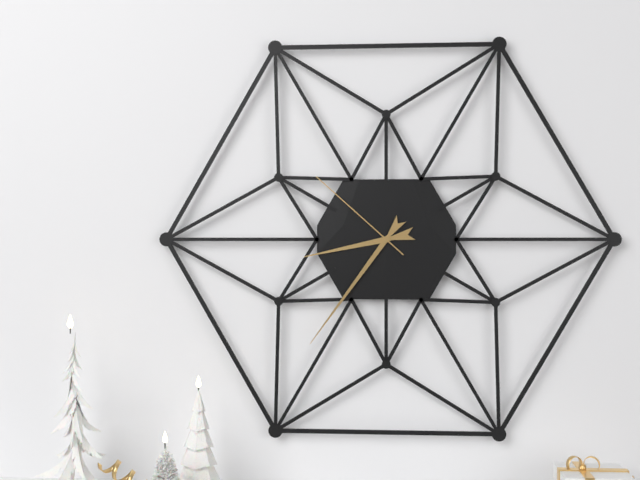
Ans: 8:36:52
